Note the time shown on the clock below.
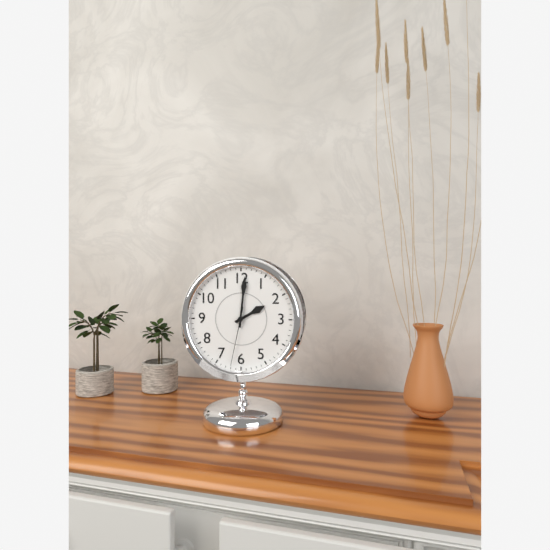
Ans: 2:01:32
